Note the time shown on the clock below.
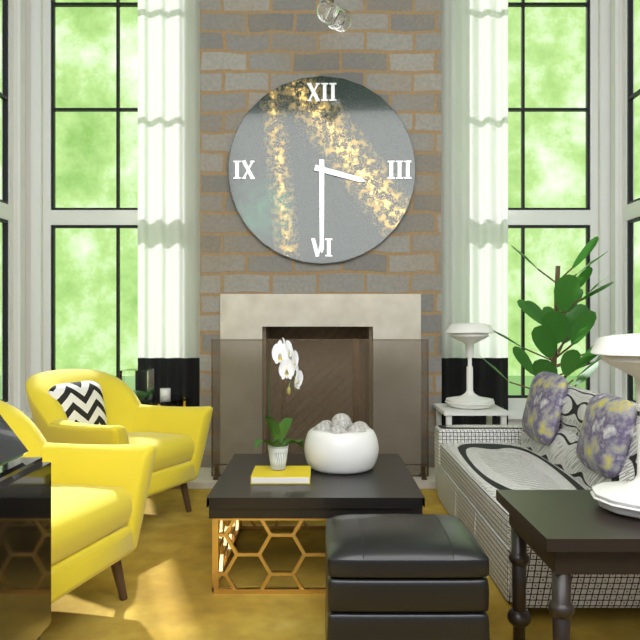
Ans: 3:30
